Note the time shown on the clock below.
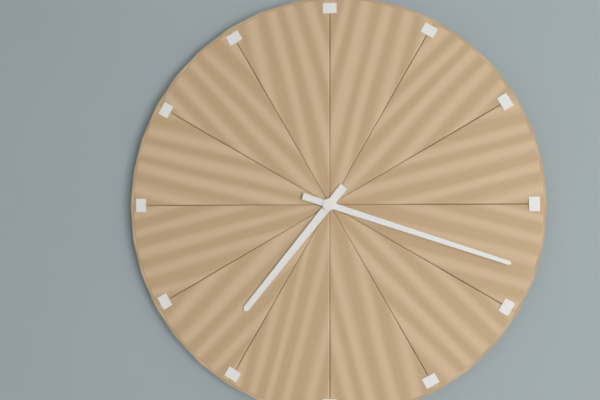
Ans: 7:18
